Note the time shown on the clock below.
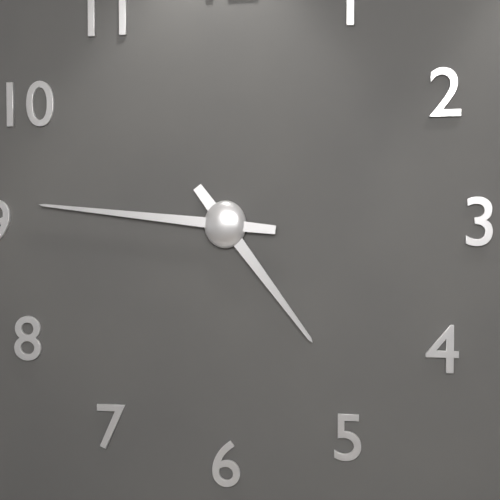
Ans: 4:46
